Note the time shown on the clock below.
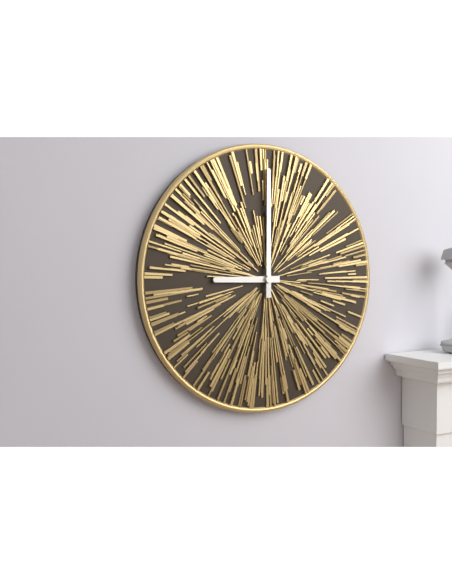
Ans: 9:00
